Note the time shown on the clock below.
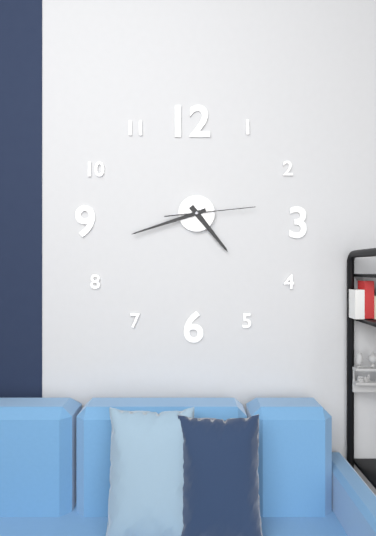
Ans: 4:42:14
